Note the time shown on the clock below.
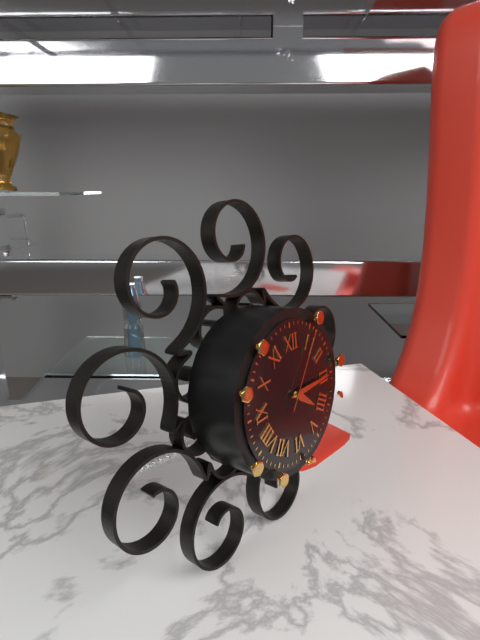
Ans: 4:15:06
